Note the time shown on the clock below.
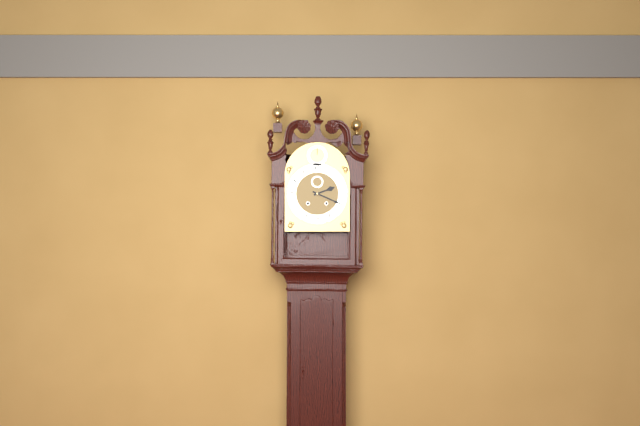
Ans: 2:19
